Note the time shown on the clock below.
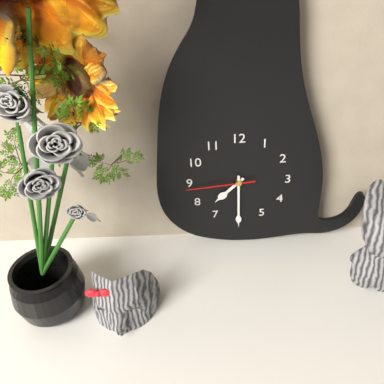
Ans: 7:30:44
